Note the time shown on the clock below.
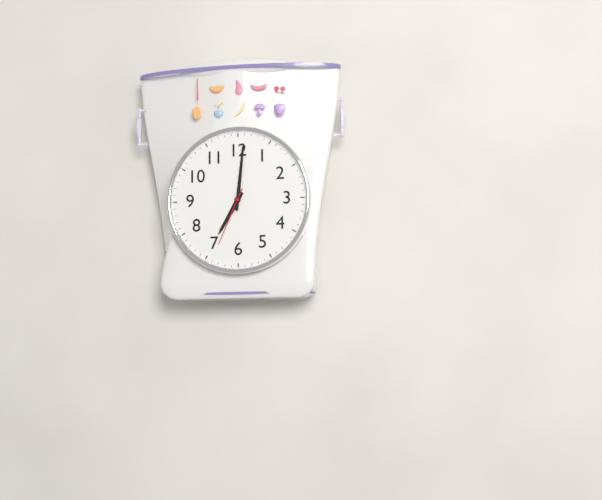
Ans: 7:01:34
